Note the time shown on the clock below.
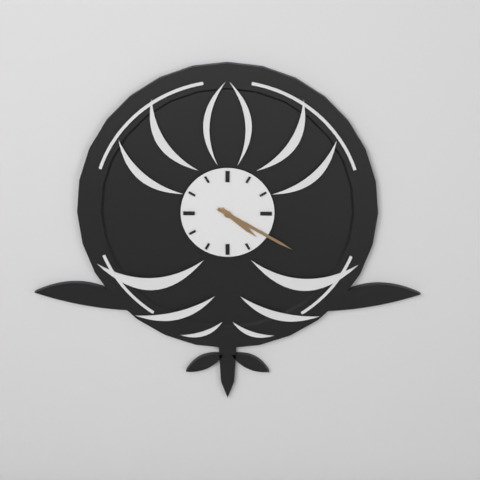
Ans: 4:20
